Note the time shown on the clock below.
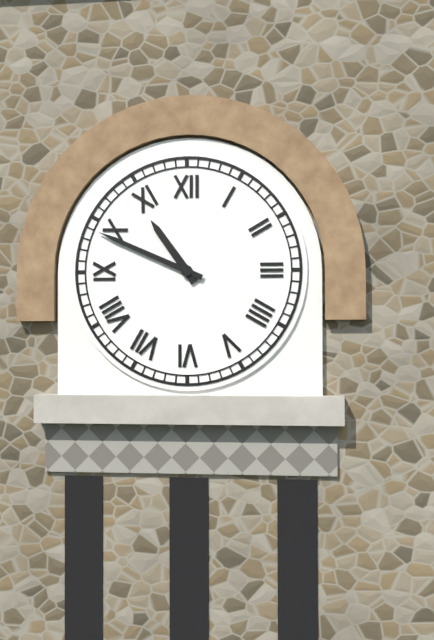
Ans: 10:49
